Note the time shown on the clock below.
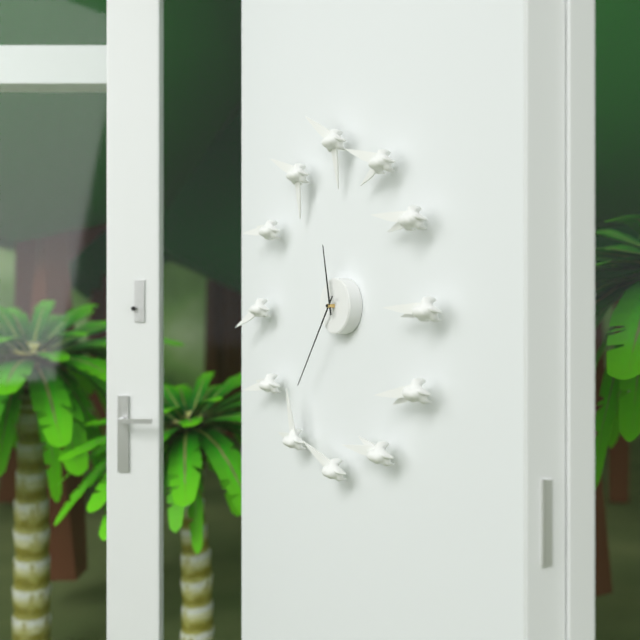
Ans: 11:36
